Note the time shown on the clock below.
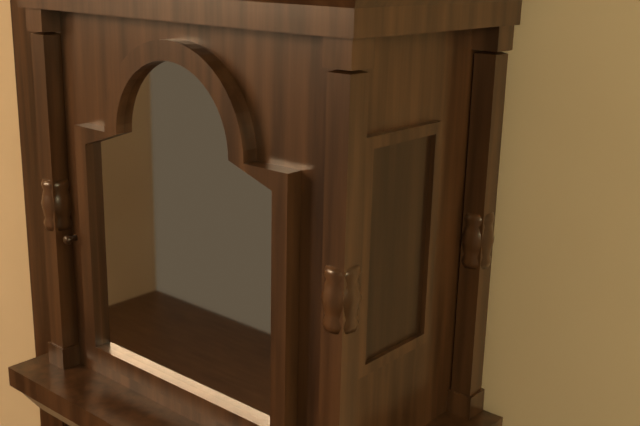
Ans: 2:38
